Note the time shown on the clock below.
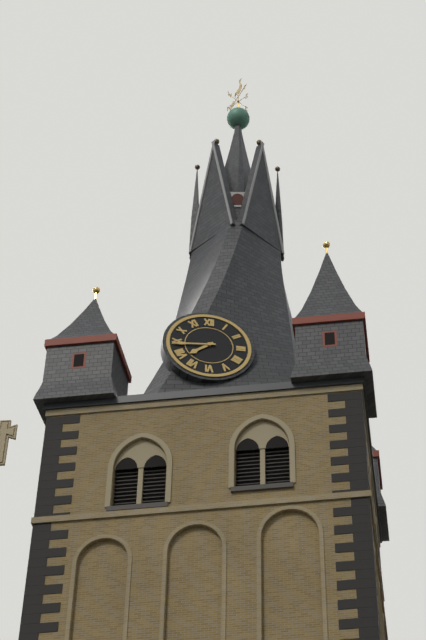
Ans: 7:44
